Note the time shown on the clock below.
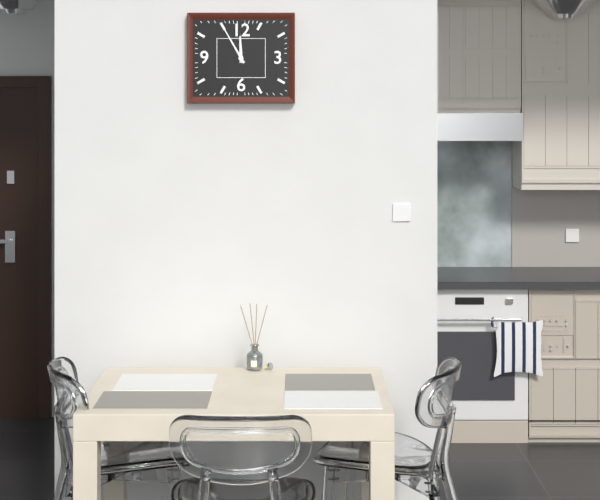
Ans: 11:55
